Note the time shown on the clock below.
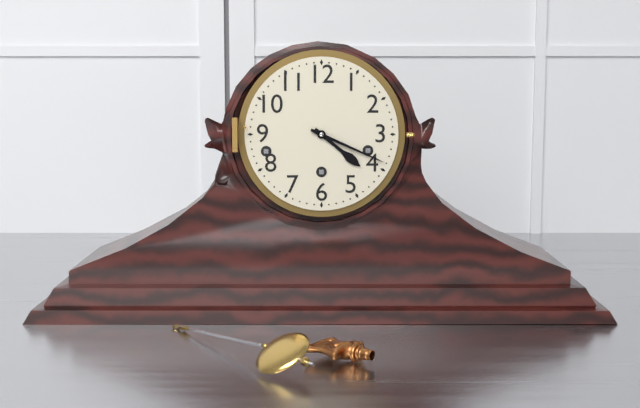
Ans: 4:19
